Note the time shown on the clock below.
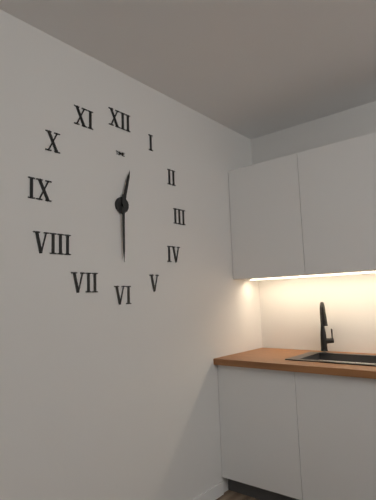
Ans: 12:30
